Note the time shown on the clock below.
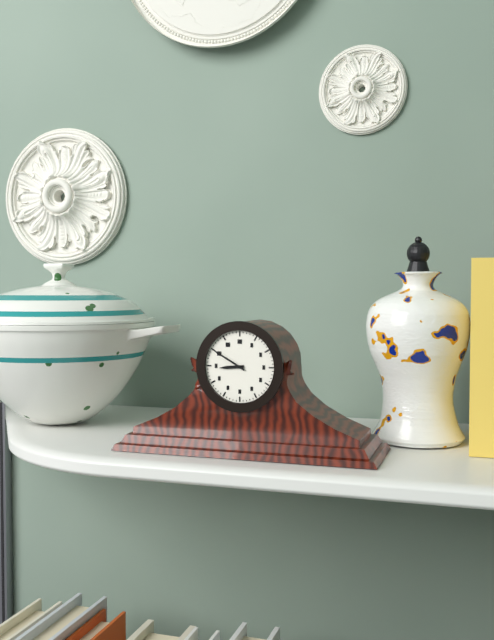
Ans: 8:50
